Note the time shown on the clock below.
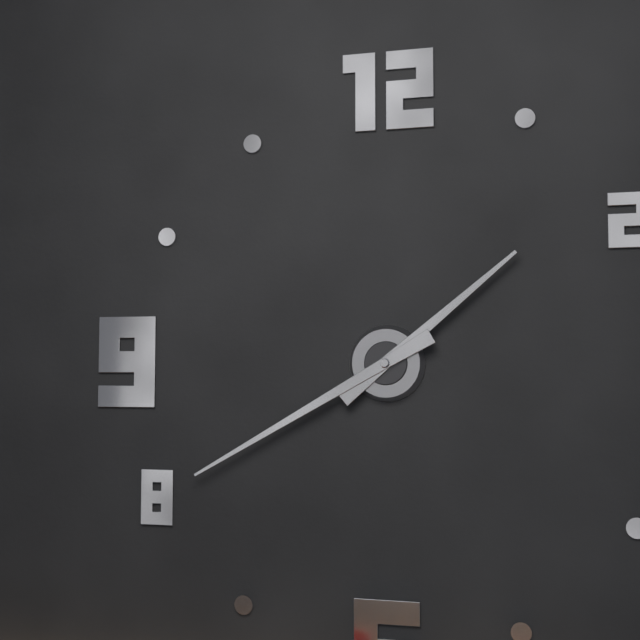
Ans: 1:40
